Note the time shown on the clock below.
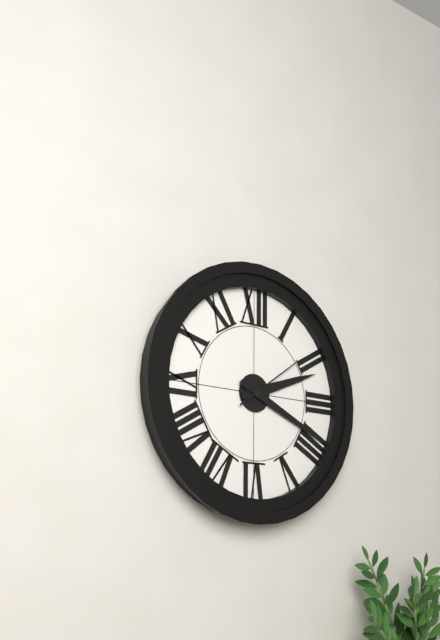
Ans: 2:19:09
